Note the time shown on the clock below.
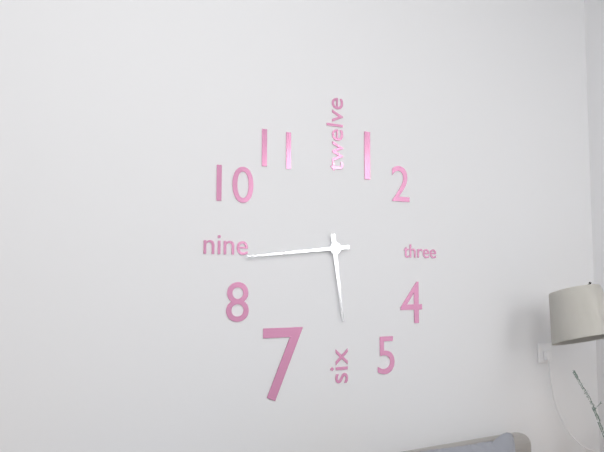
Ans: 5:44
